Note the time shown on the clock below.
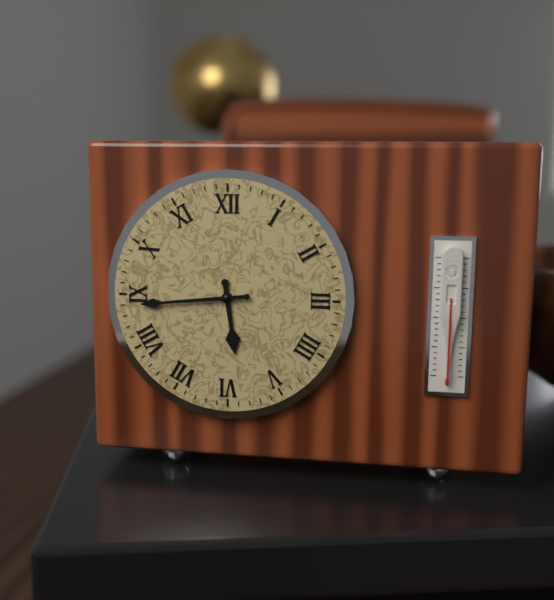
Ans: 5:44
